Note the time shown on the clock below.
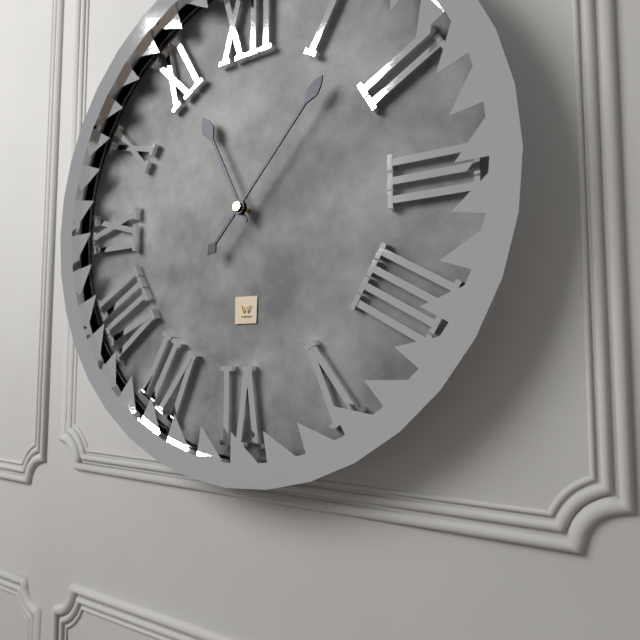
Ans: 11:07
